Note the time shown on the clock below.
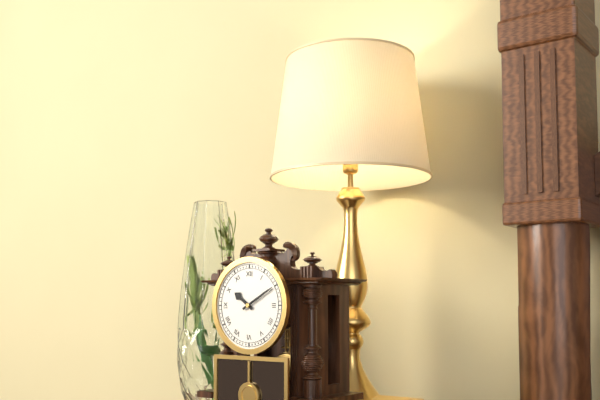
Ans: 10:10
